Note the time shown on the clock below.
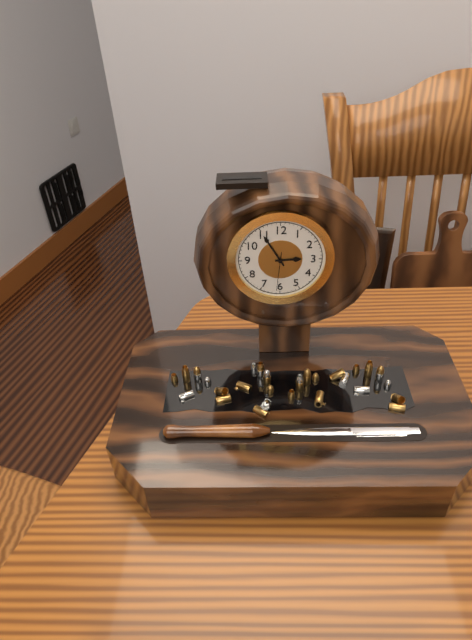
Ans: 2:55
